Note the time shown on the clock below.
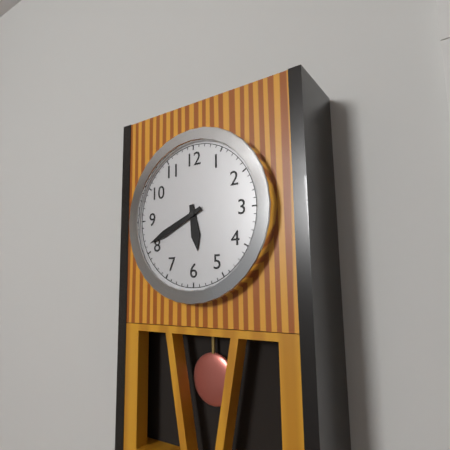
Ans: 5:41
